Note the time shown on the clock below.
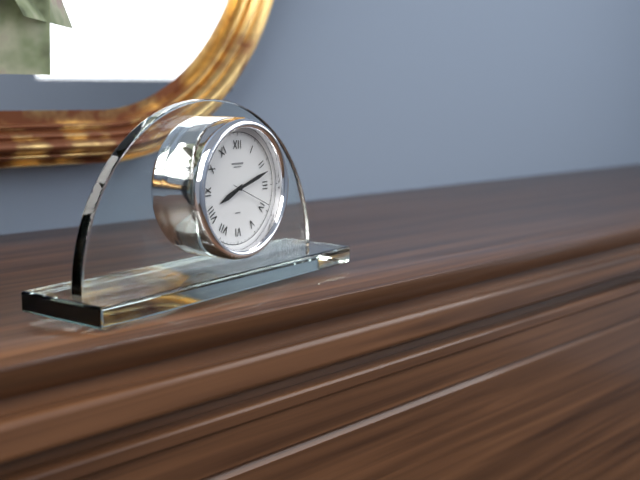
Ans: 8:12
